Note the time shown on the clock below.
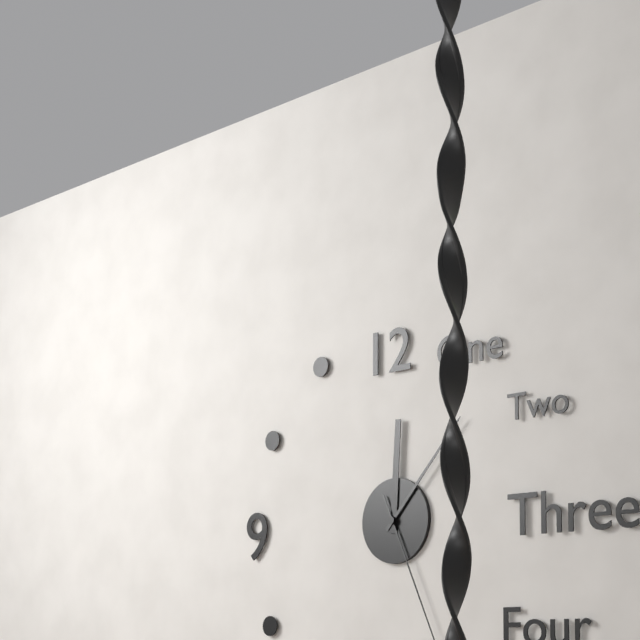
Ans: 12:07
